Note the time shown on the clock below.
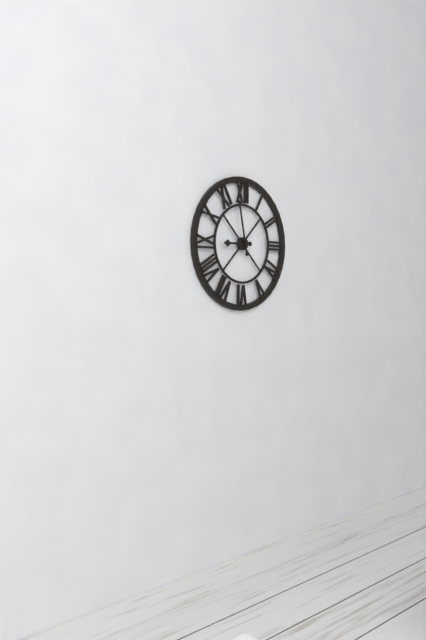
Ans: 8:58
